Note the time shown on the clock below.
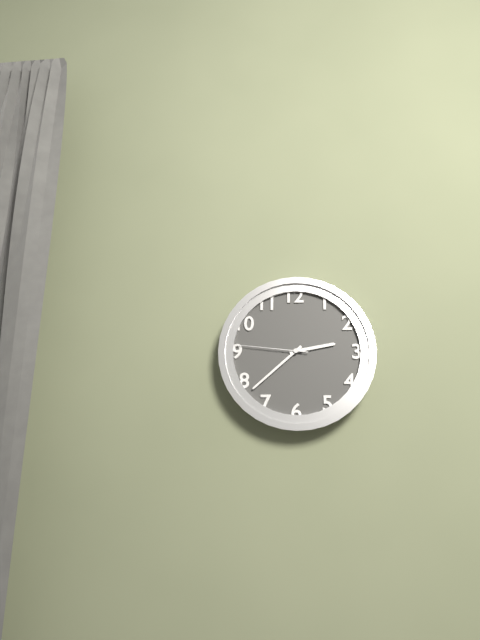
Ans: 2:38:46
